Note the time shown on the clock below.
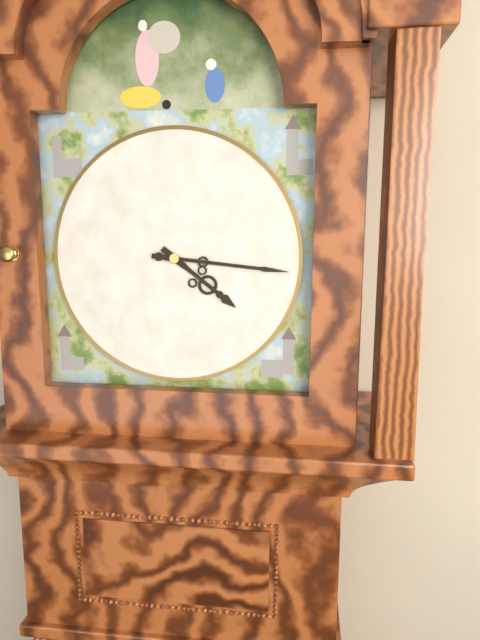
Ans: 4:16
